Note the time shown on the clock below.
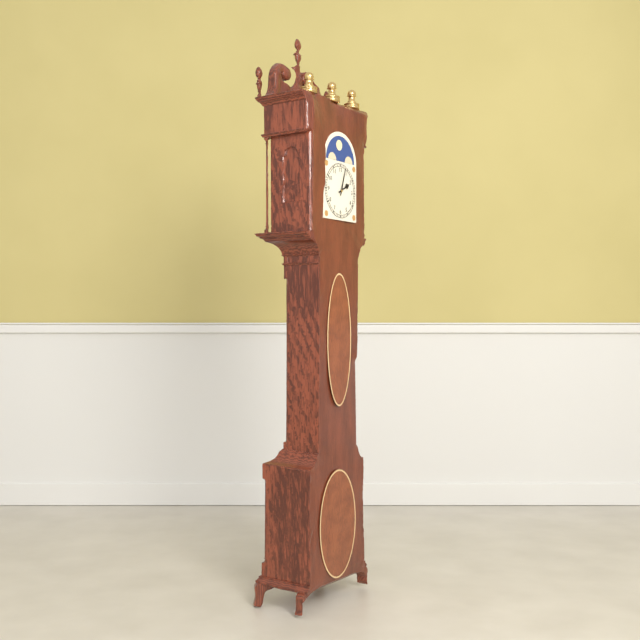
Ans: 2:03
